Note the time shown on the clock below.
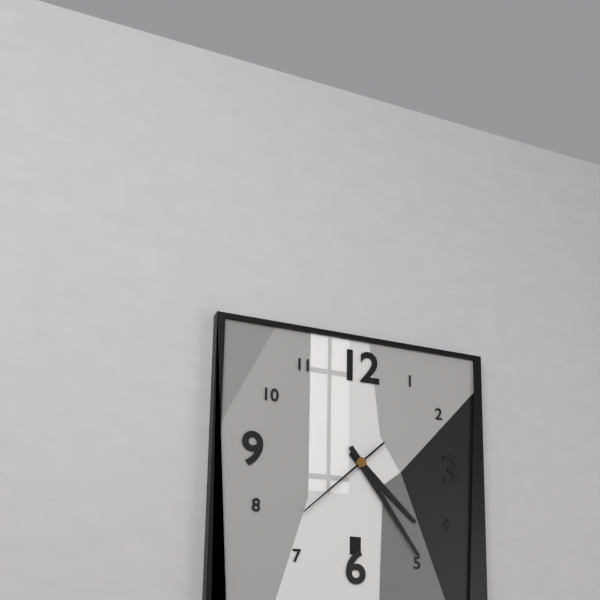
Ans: 4:24:38
